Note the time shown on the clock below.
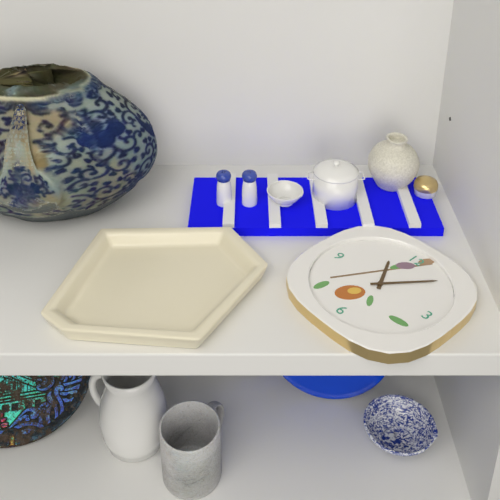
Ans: 11:06
